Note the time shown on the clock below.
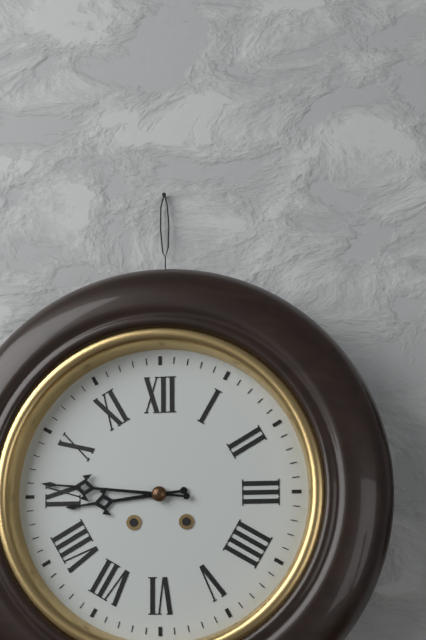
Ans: 8:46
